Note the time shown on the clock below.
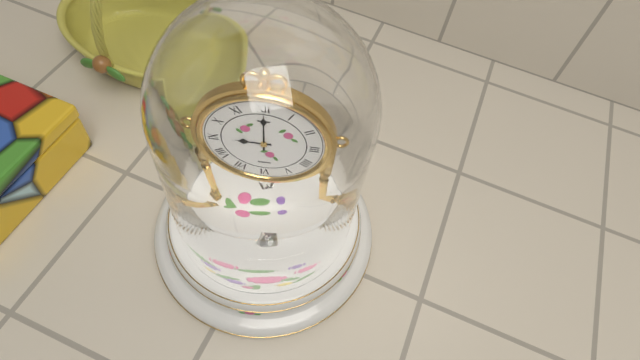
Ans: 9:00
